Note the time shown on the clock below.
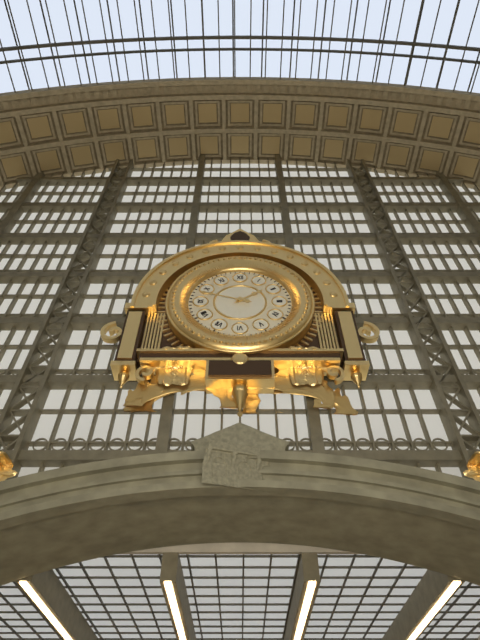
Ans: 1:48
